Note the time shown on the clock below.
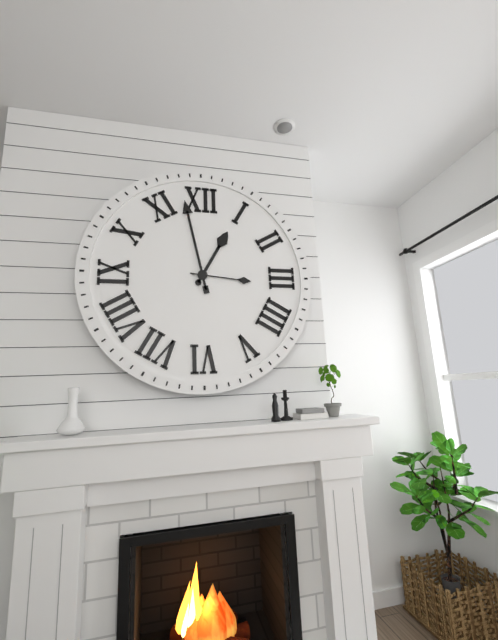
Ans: 12:58:16
